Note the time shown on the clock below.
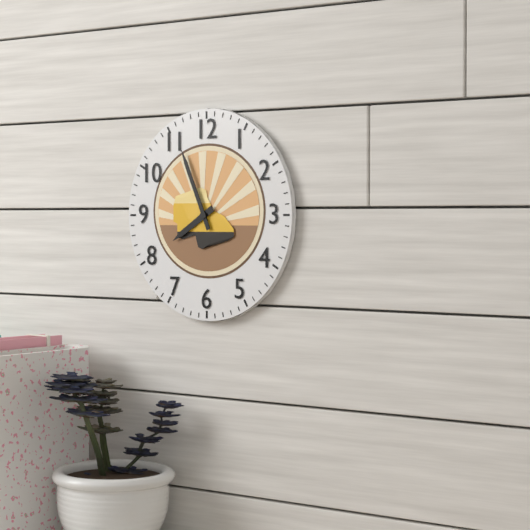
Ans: 7:56
